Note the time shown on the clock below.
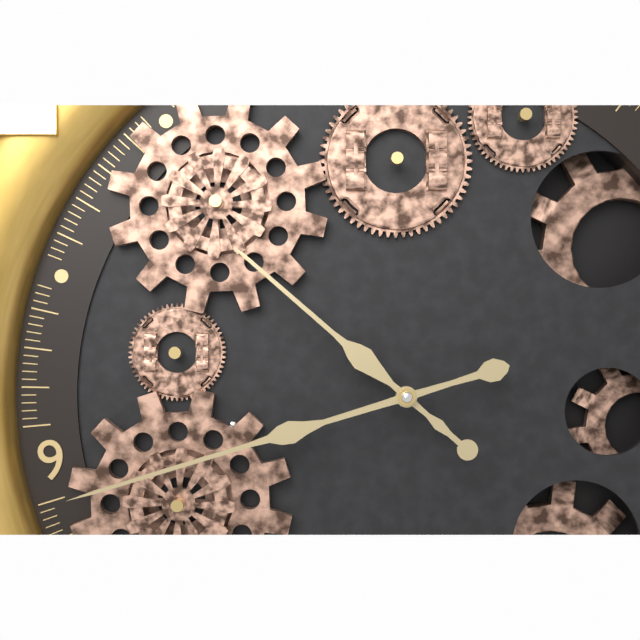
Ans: 10:44
